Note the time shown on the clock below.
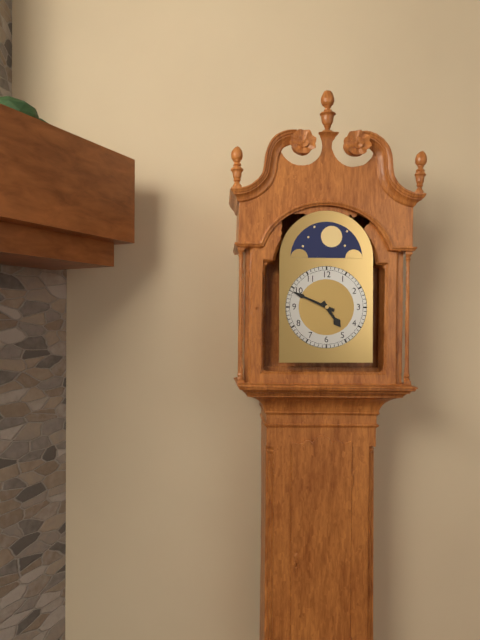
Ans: 4:49
